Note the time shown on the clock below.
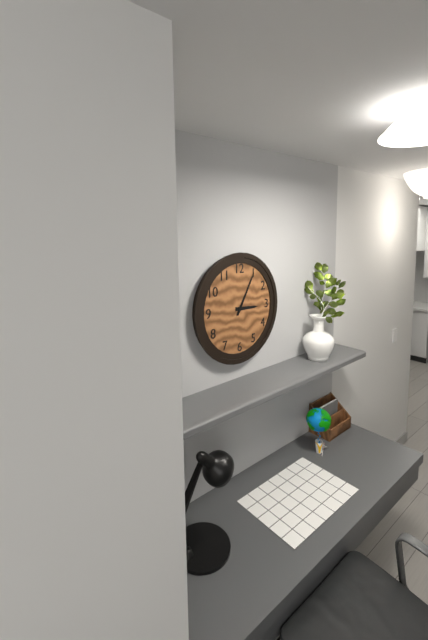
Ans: 3:05
